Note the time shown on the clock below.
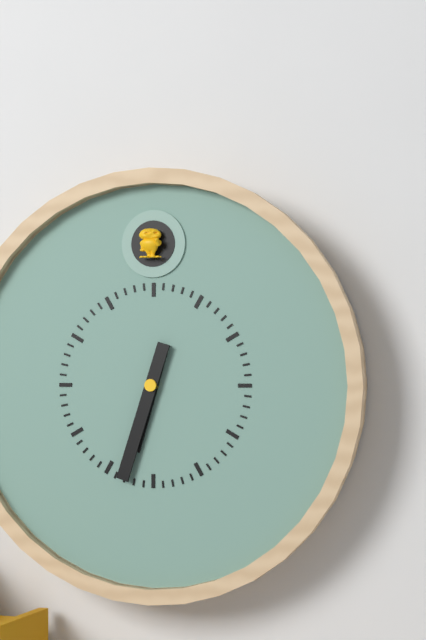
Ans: 6:33
